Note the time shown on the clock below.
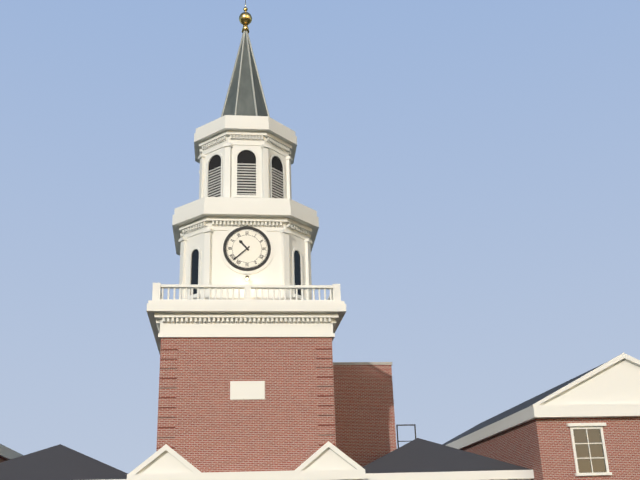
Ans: 10:38
